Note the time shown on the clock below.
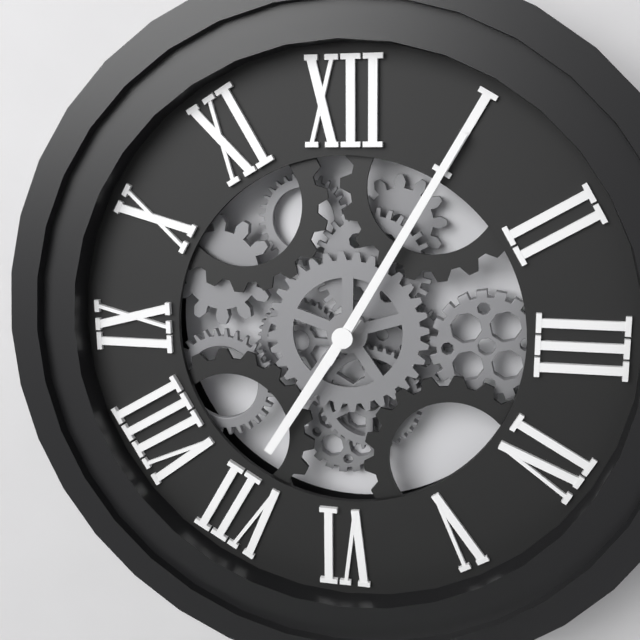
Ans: 7:05
